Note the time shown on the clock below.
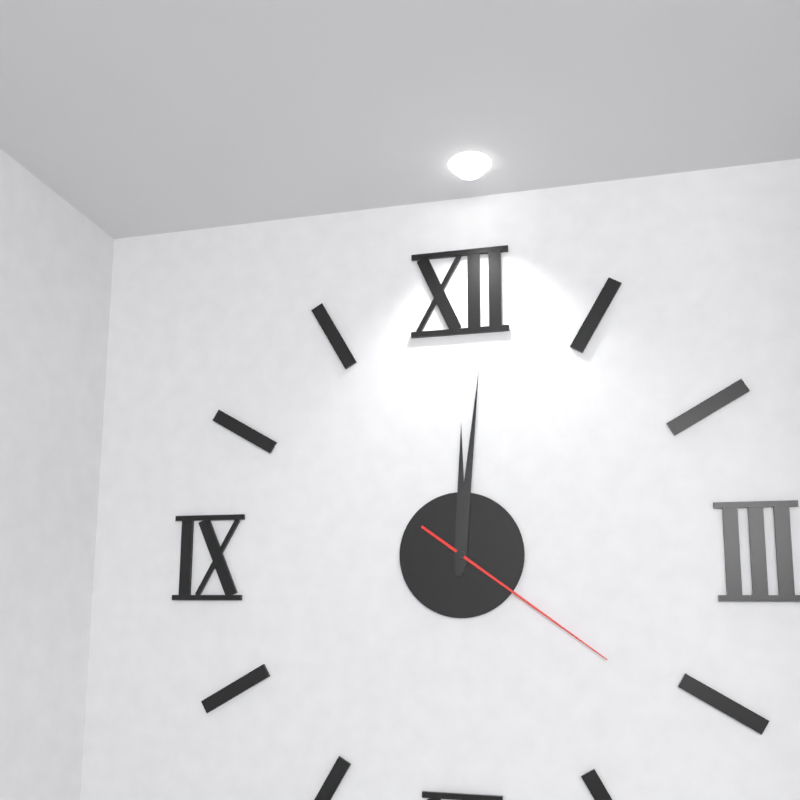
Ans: 12:01:21
